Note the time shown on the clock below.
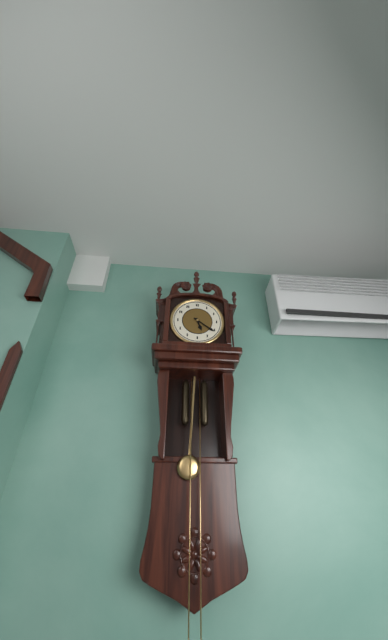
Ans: 5:21
